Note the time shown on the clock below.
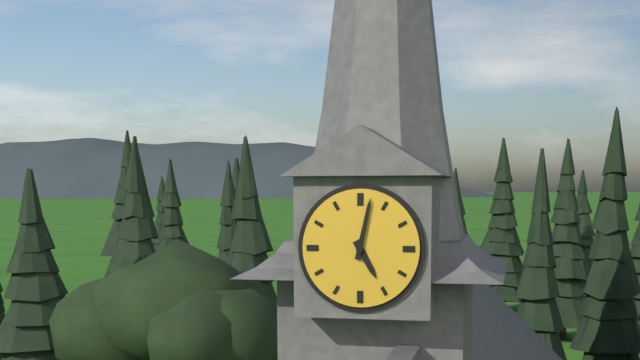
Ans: 5:02
